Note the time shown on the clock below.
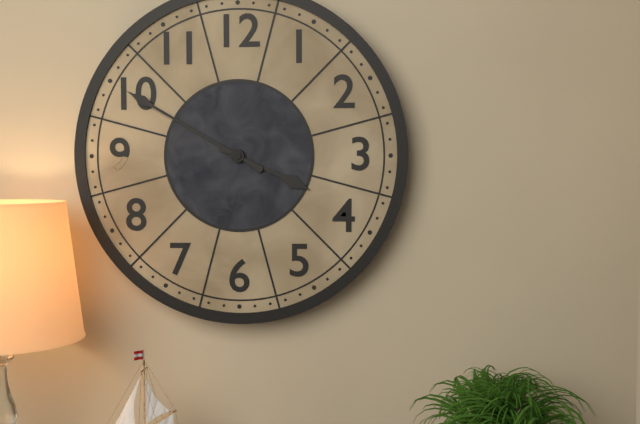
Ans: 3:50
